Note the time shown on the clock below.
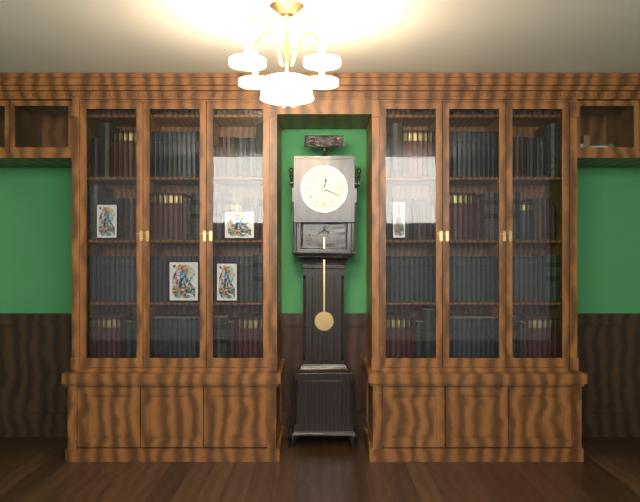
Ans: 12:19
